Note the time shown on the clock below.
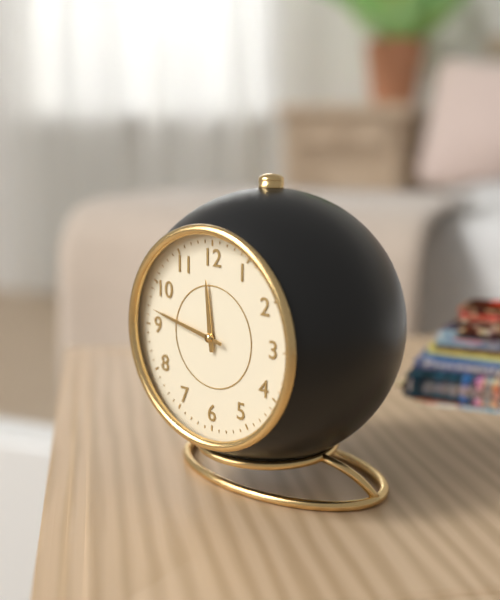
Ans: 11:47
